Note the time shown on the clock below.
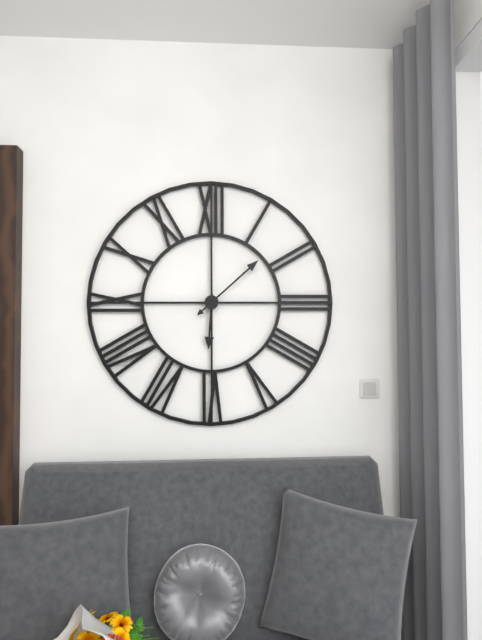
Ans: 6:08
